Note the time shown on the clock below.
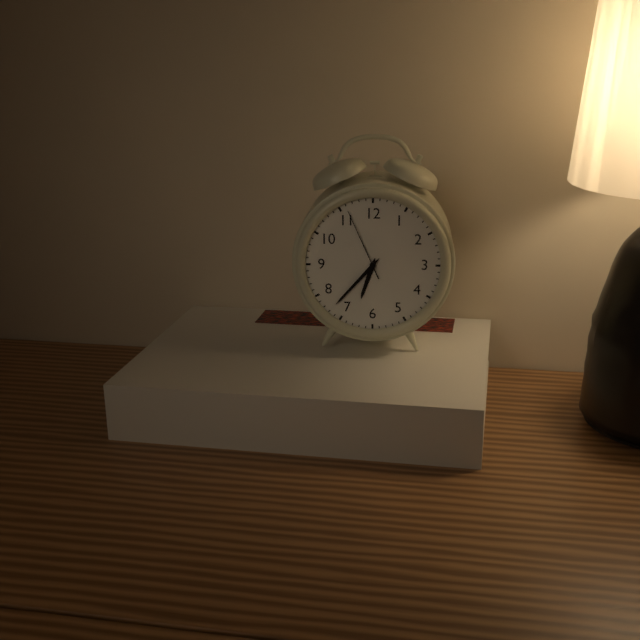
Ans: 6:37:56
